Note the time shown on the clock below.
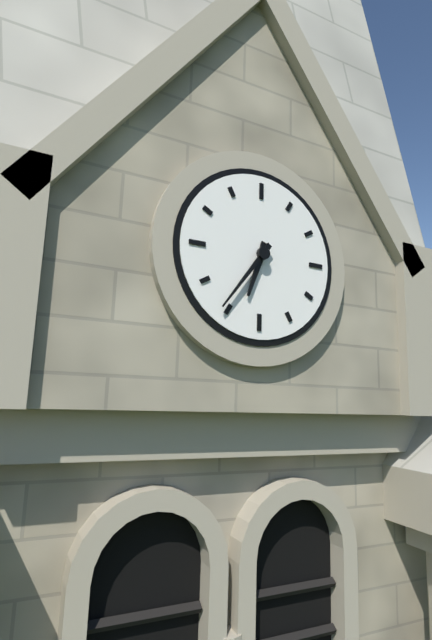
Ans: 6:36
